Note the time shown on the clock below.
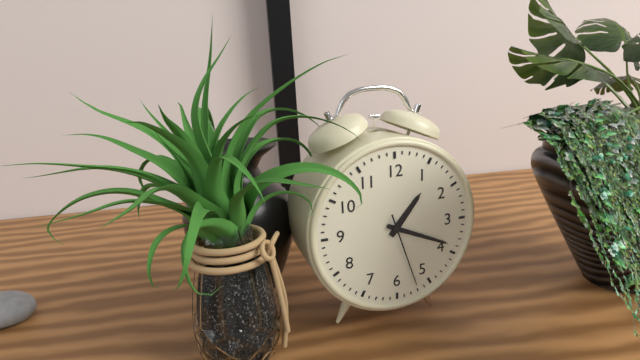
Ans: 1:19:27
